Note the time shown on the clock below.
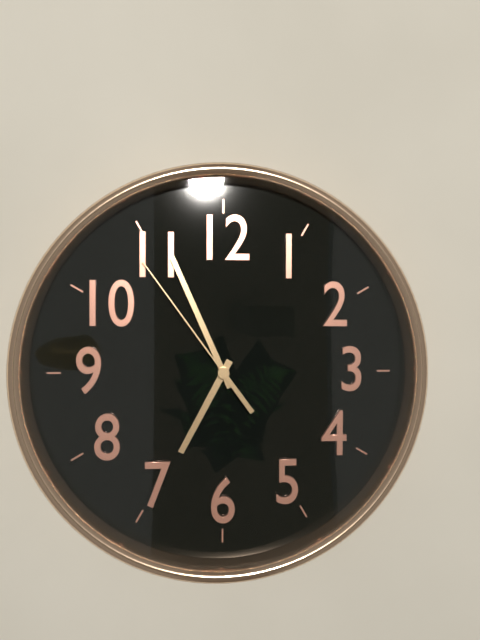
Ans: 6:56:54
